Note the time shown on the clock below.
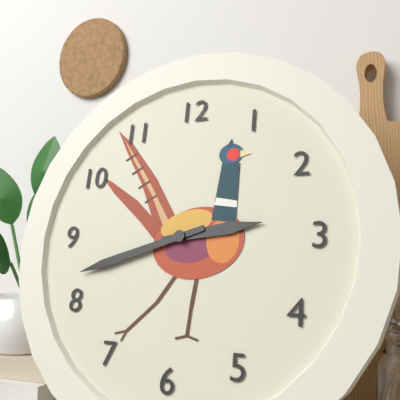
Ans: 2:42
